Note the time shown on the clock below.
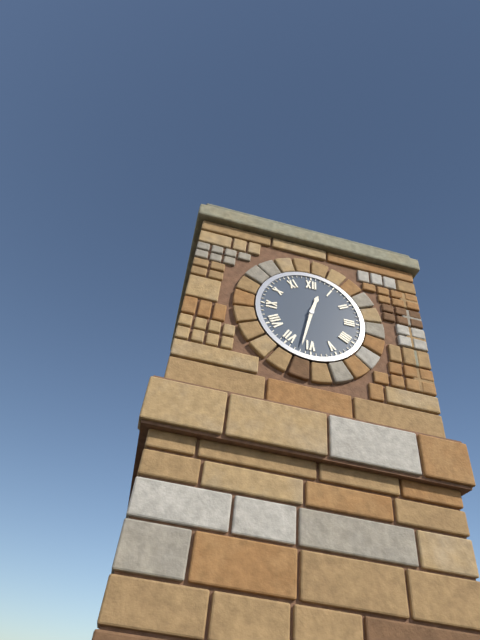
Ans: 12:32
